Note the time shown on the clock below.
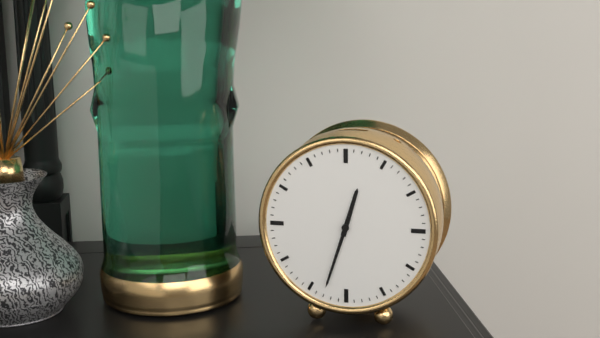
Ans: 12:33
